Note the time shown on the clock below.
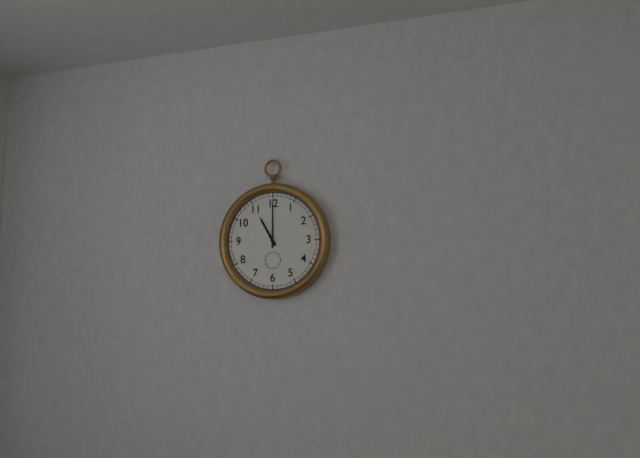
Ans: 11:00
